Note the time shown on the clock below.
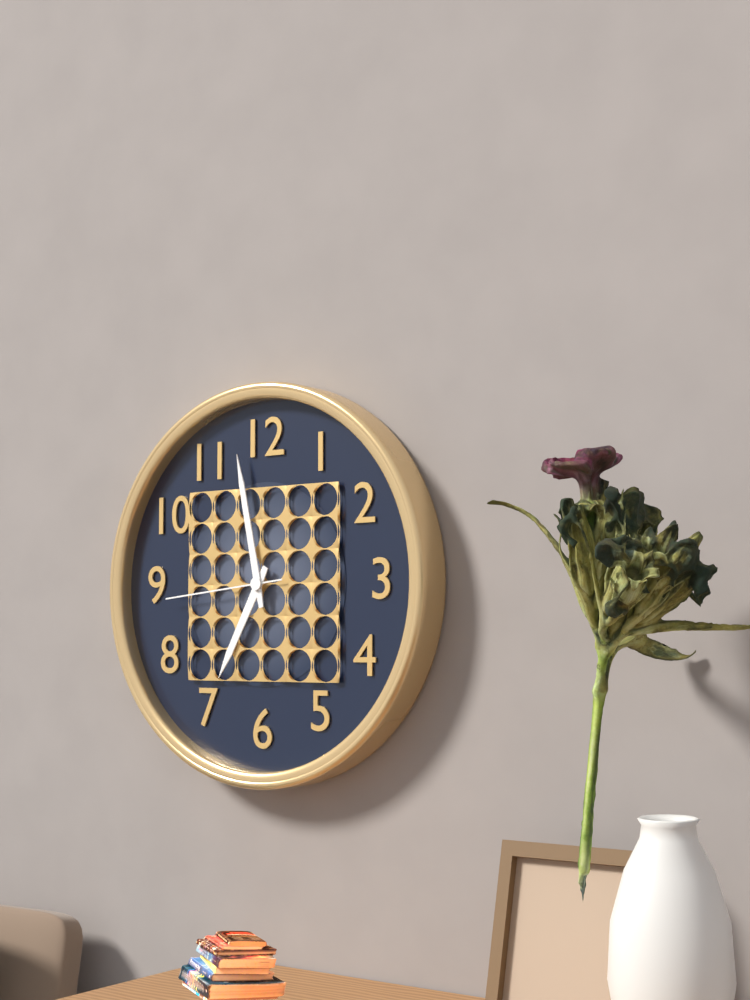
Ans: 6:58:44
